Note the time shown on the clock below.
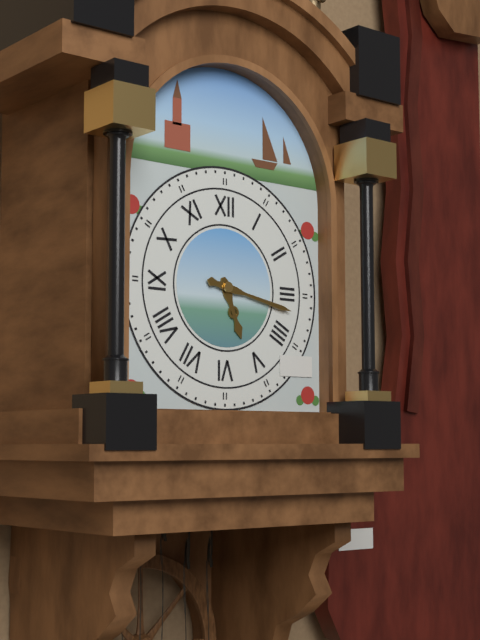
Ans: 5:17
